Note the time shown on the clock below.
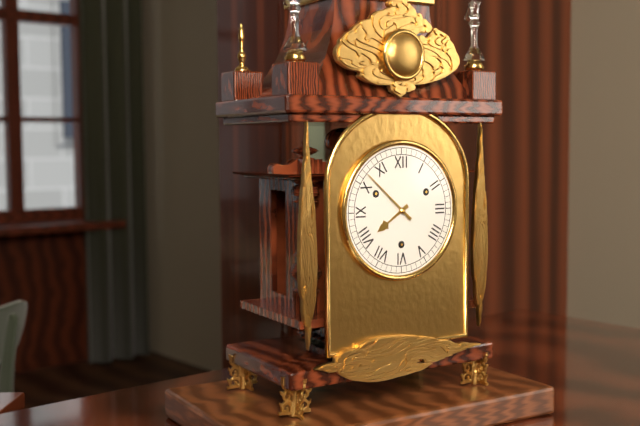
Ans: 7:52
